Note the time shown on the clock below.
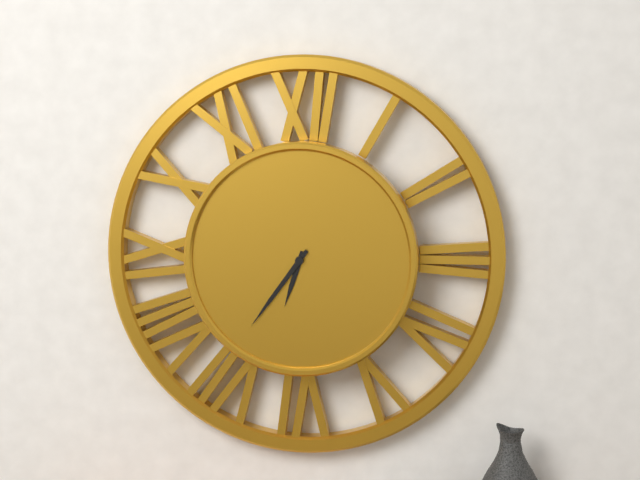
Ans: 6:36
